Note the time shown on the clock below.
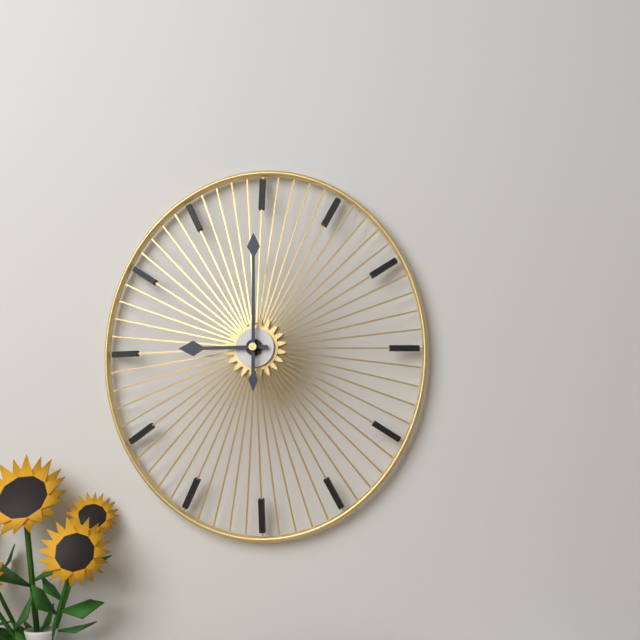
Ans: 9:00
